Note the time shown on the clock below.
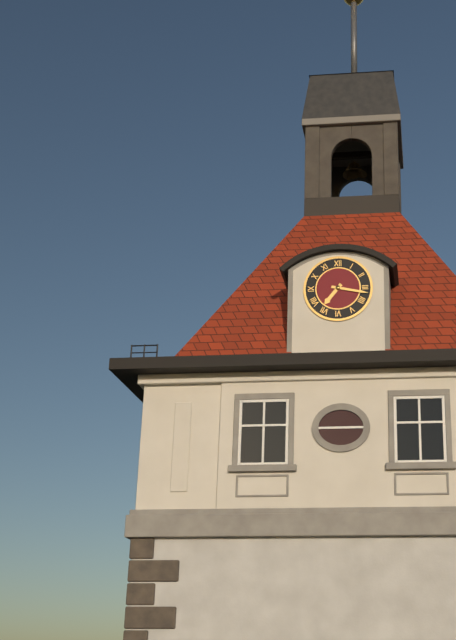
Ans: 7:17
